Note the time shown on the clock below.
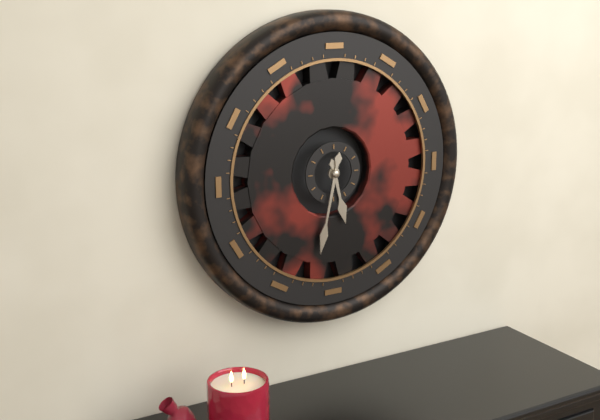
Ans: 5:32
